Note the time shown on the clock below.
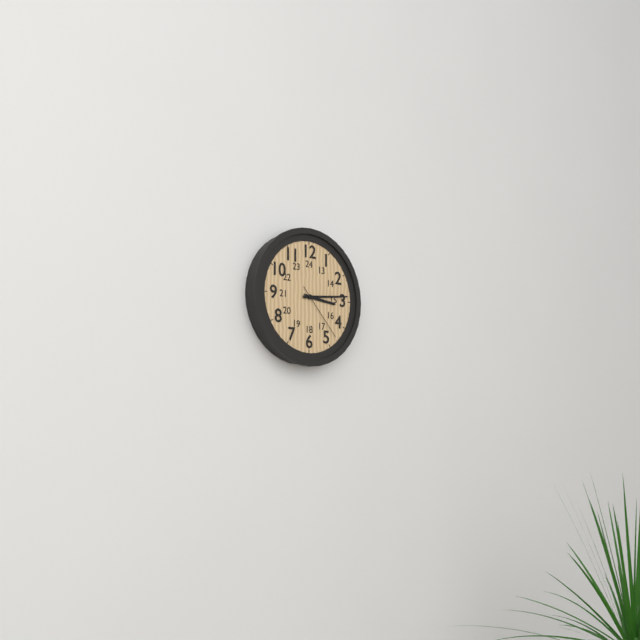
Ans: 3:14:23
